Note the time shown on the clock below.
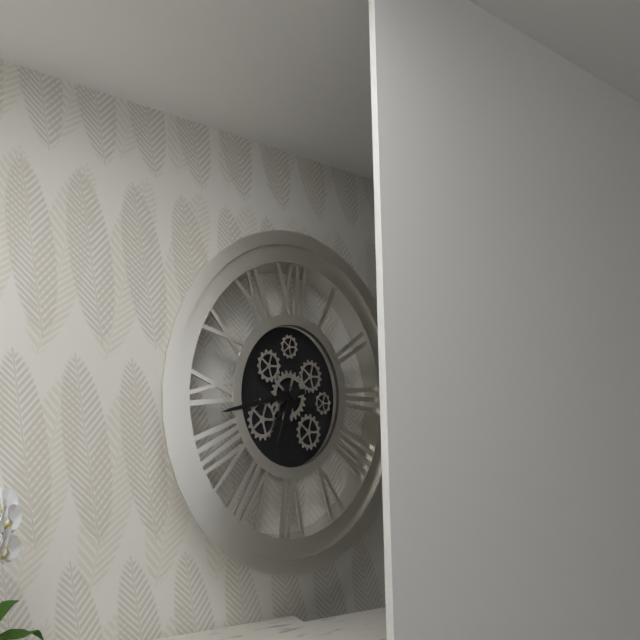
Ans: 6:43
